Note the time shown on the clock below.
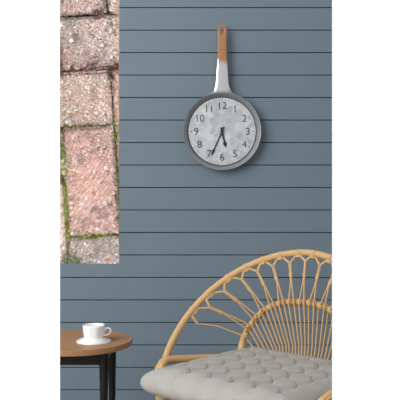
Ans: 5:34
